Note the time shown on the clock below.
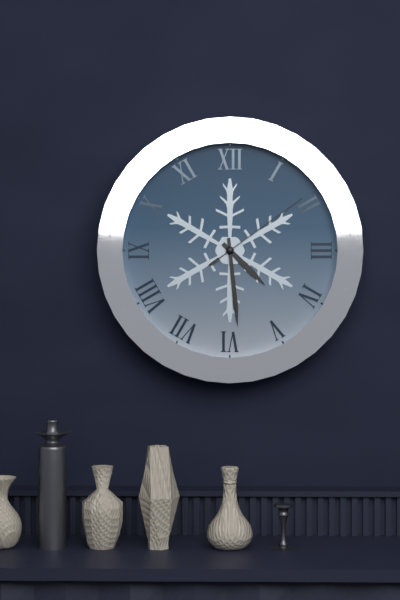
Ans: 4:29:09
